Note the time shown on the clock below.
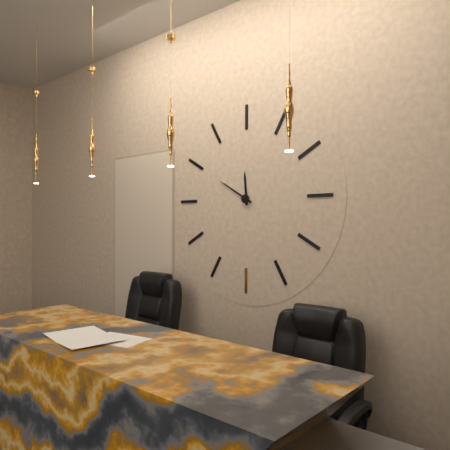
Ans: 11:50
